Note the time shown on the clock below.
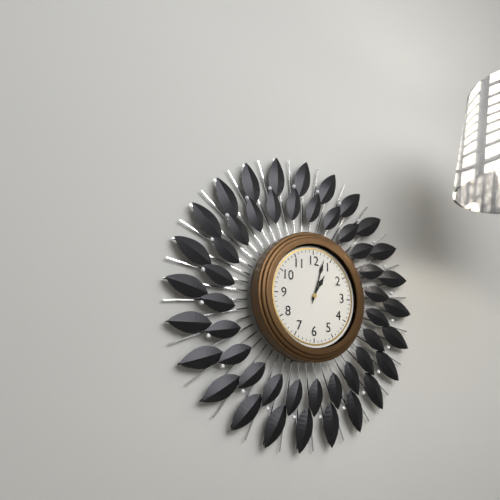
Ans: 1:03
